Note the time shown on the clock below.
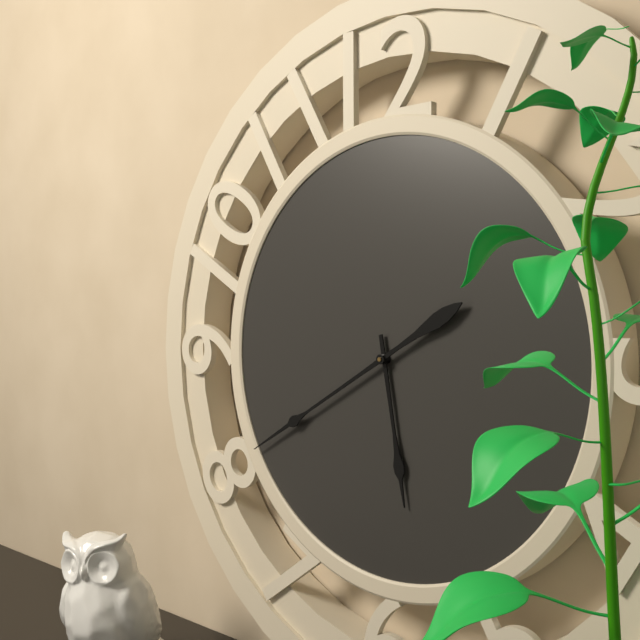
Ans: 5:40
